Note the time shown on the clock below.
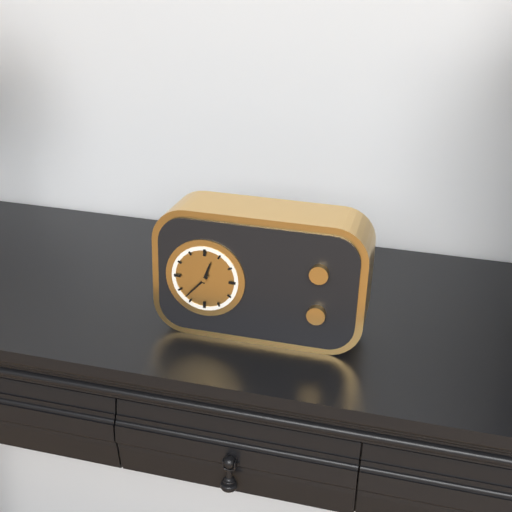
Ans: 12:37
